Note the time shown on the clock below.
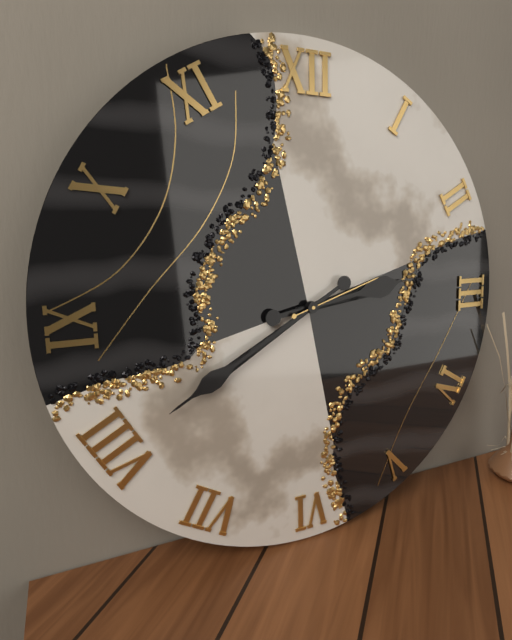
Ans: 2:40:12
